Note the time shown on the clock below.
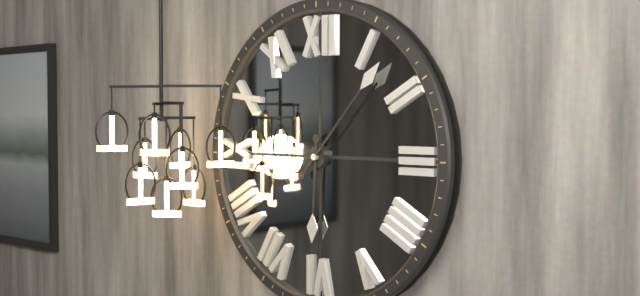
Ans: 6:07
